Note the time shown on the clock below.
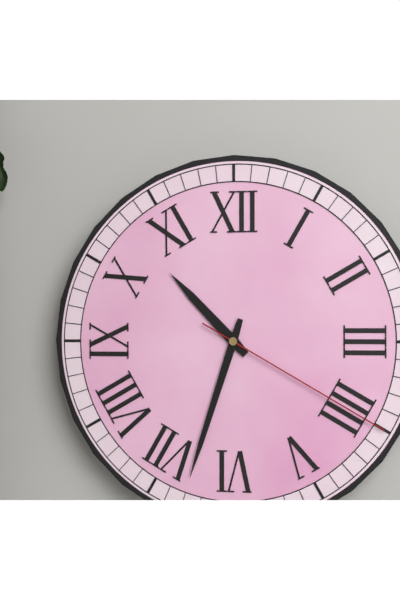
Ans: 10:33:20
